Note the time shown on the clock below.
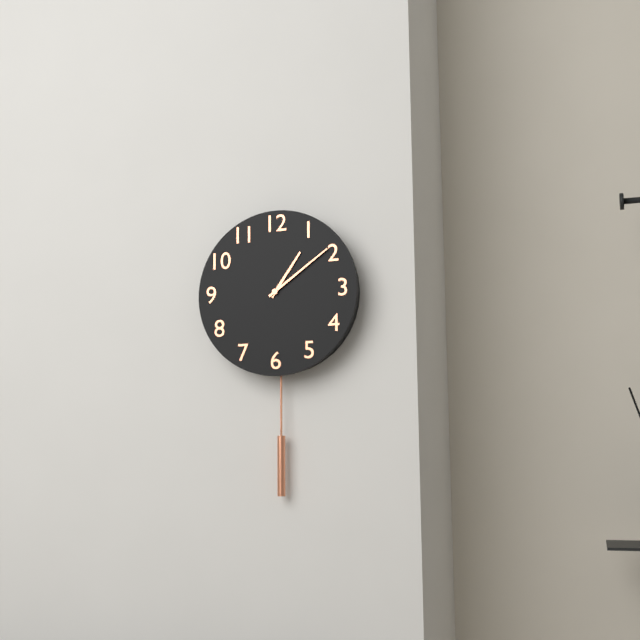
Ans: 1:09
